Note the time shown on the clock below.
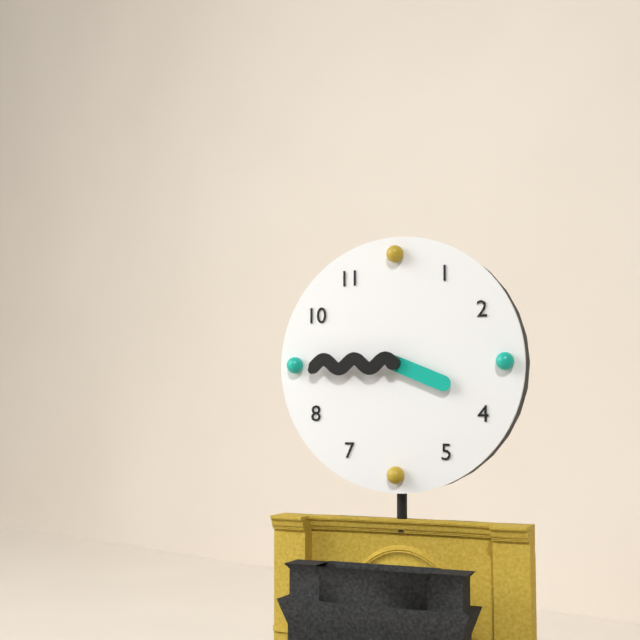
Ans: 3:45
